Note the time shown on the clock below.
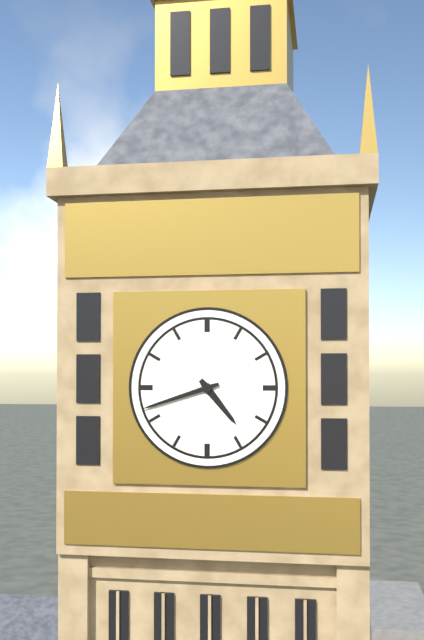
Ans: 4:42
